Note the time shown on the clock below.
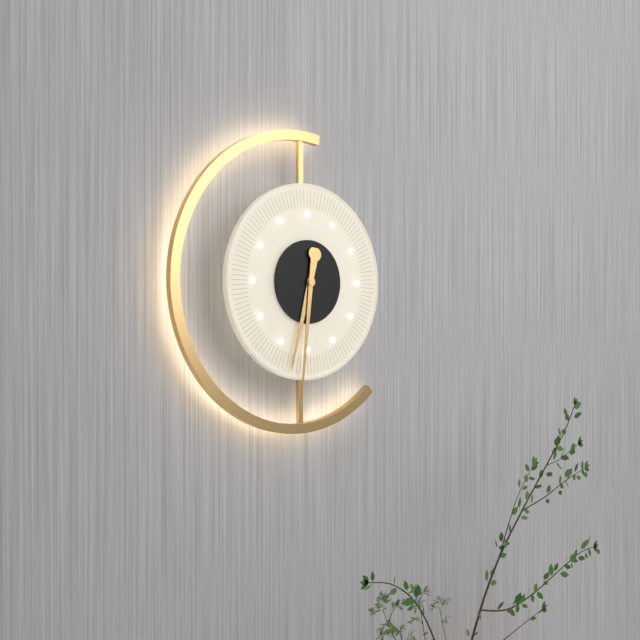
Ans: 6:31
